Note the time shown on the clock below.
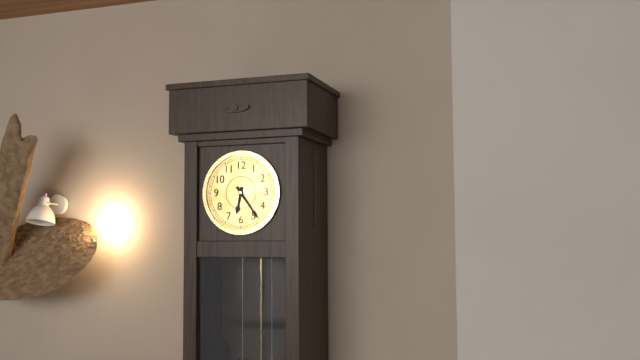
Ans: 6:24
